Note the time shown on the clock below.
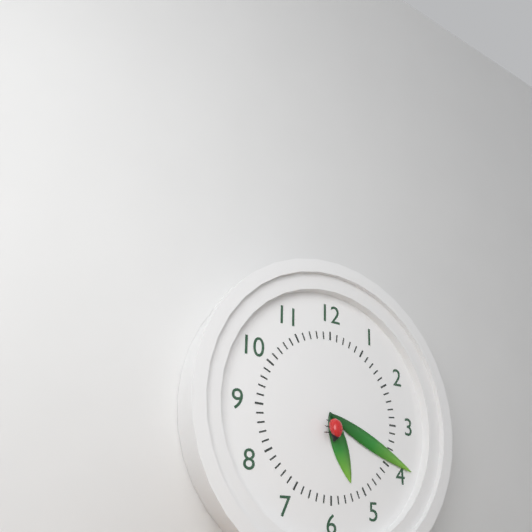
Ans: 5:19
